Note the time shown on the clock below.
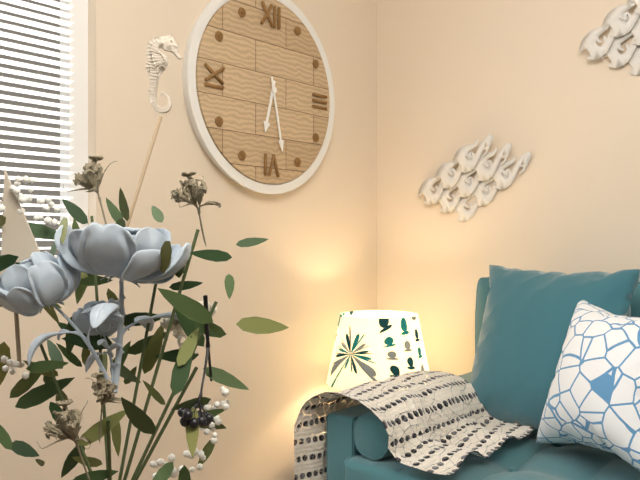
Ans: 6:28
